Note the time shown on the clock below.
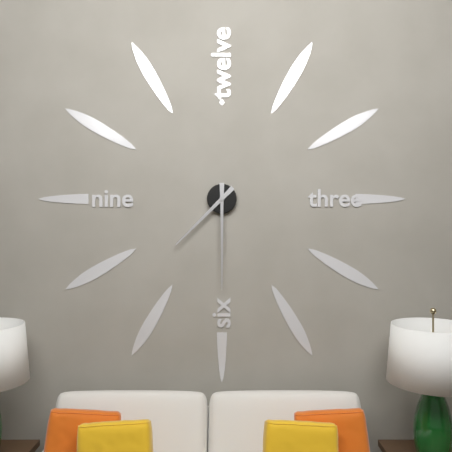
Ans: 7:30
